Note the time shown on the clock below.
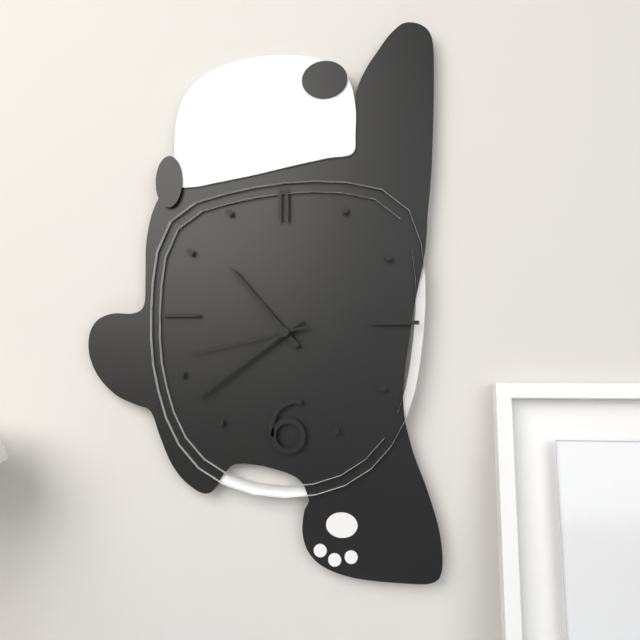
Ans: 10:39:43
